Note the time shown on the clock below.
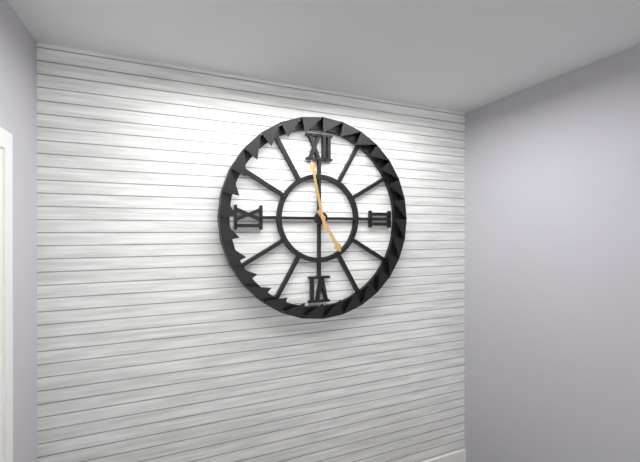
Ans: 4:58
